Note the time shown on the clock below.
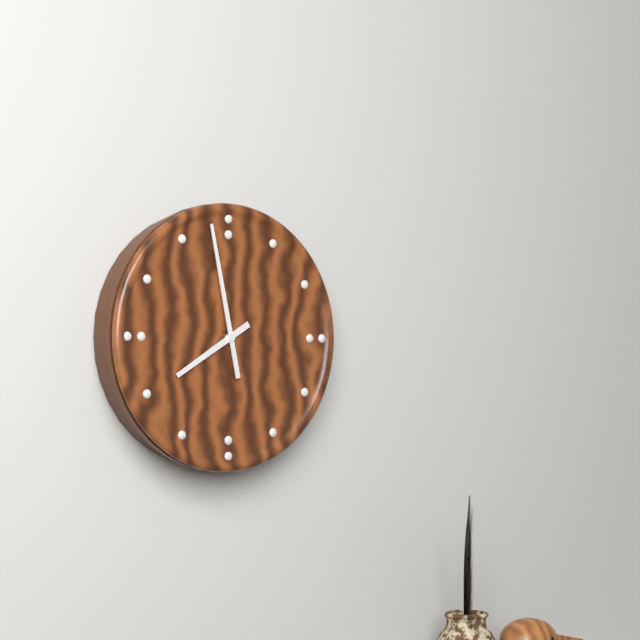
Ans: 7:58
